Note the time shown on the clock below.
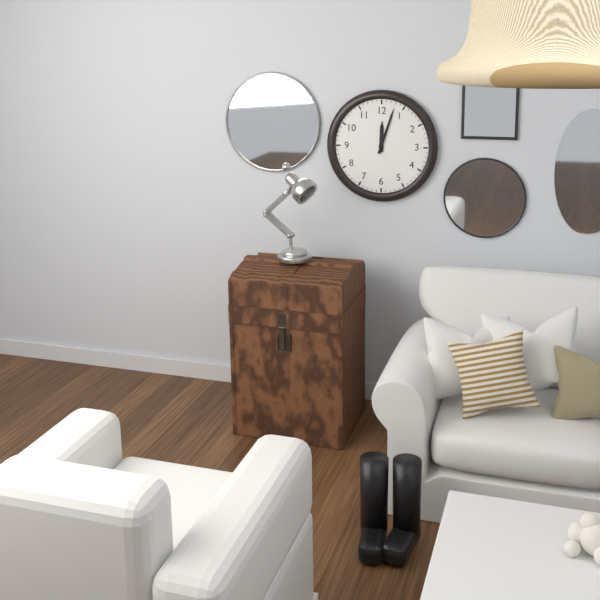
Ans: 12:03
